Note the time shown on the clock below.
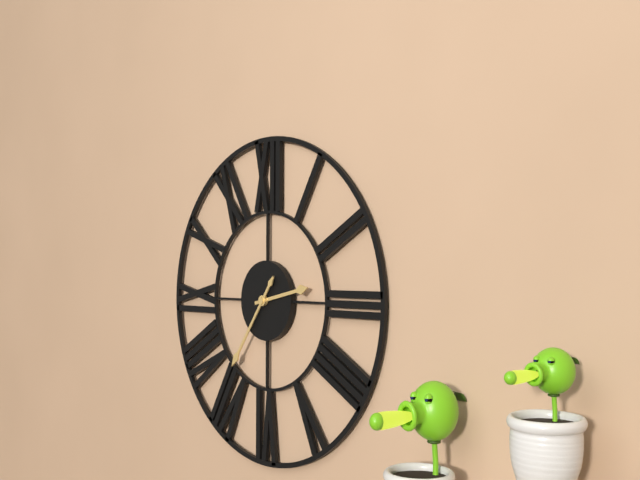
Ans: 2:36
